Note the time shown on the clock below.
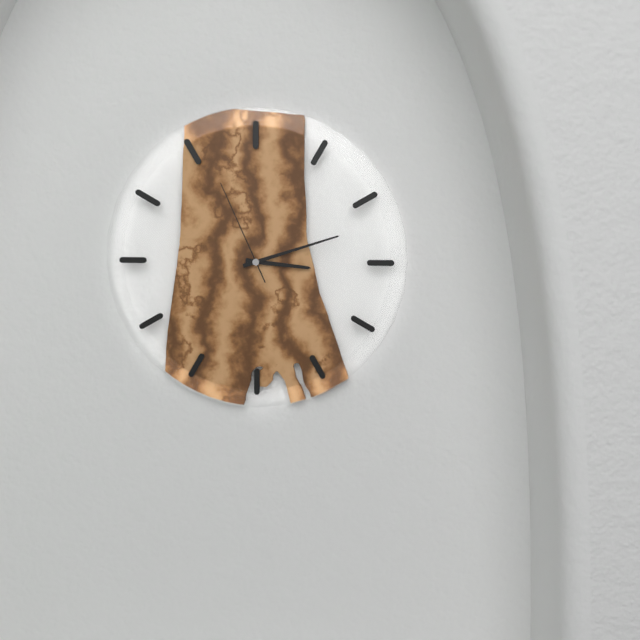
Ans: 3:12:56
